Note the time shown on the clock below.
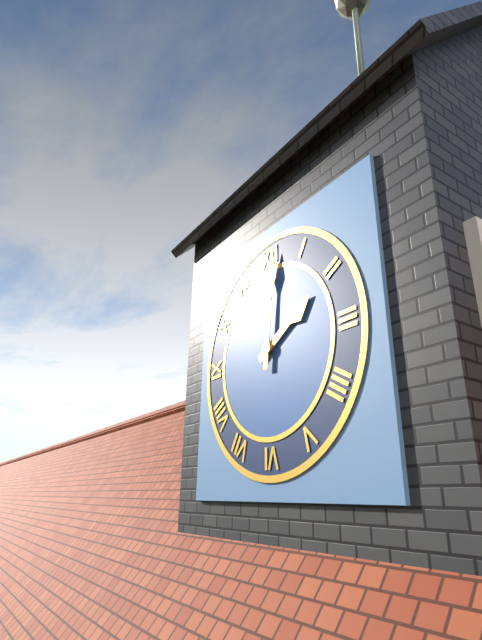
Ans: 2:01
